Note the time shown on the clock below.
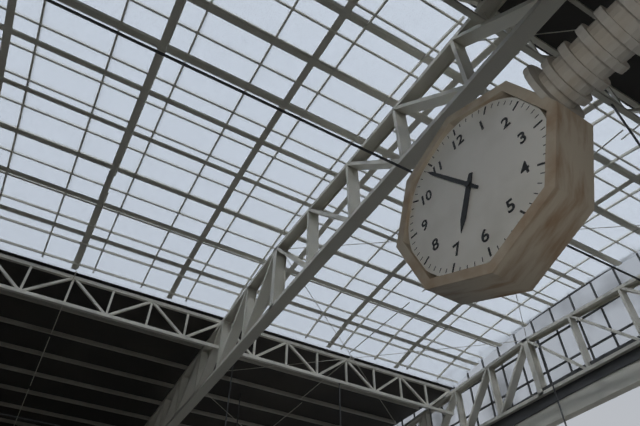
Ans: 6:54
